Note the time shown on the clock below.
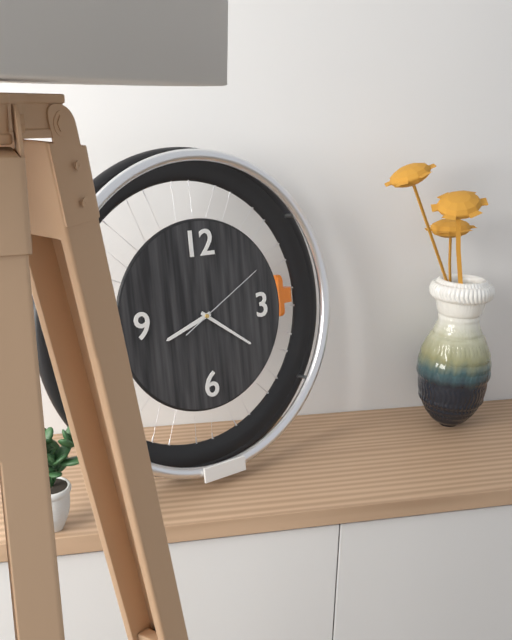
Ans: 8:21:10
